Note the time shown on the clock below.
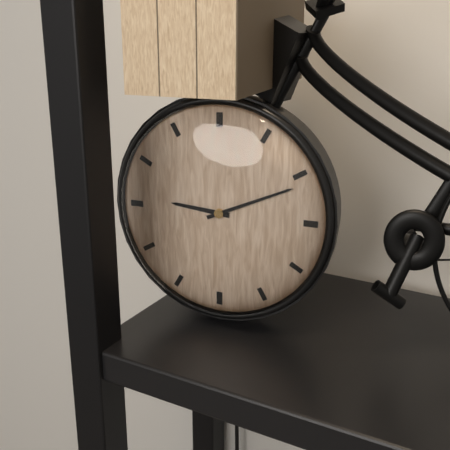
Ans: 9:11
